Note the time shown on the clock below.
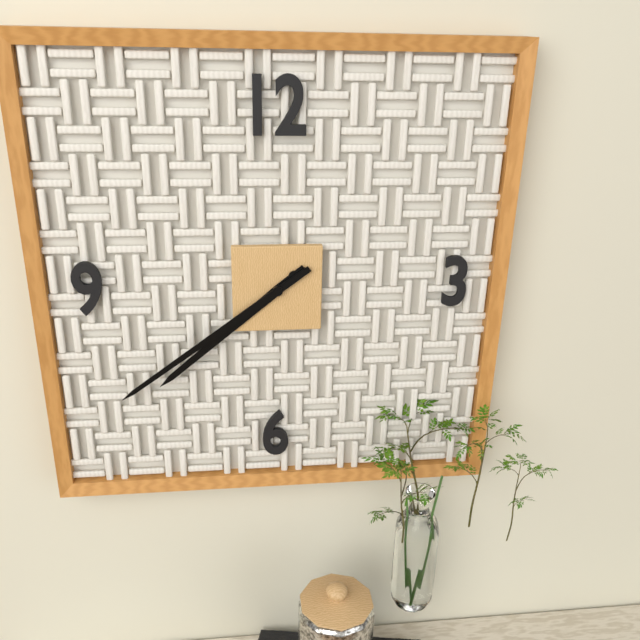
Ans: 7:39
